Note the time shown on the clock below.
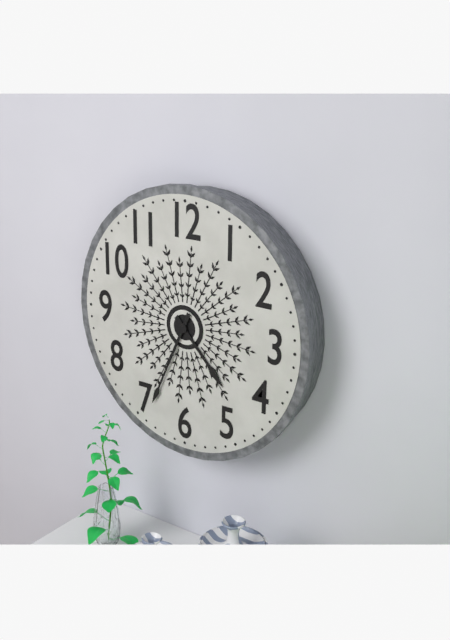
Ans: 4:34
